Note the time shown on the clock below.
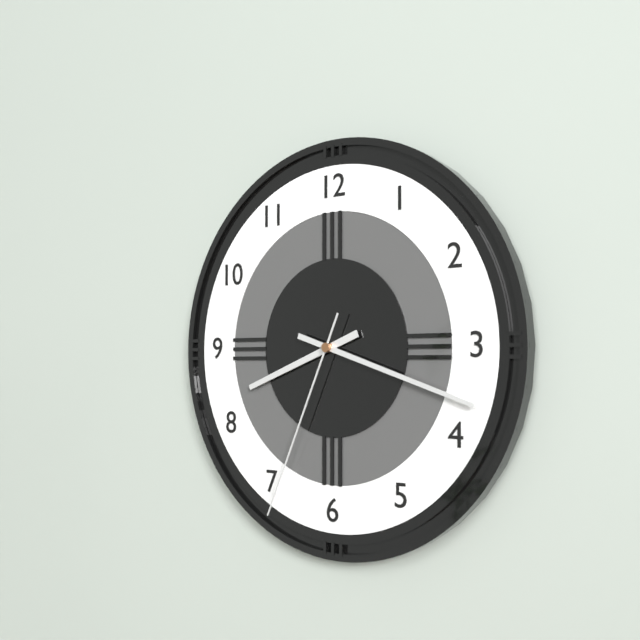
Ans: 8:18:34
